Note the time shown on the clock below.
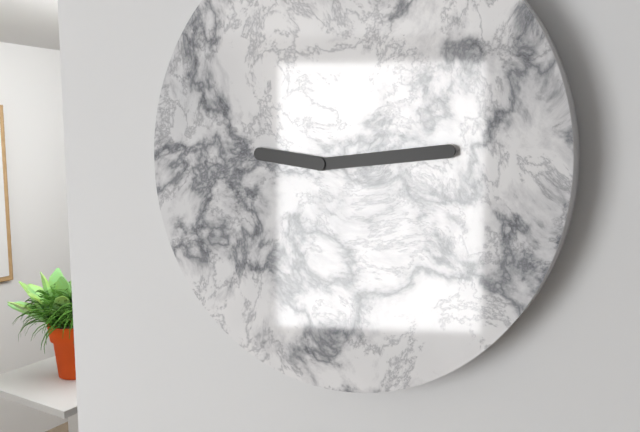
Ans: 9:14
